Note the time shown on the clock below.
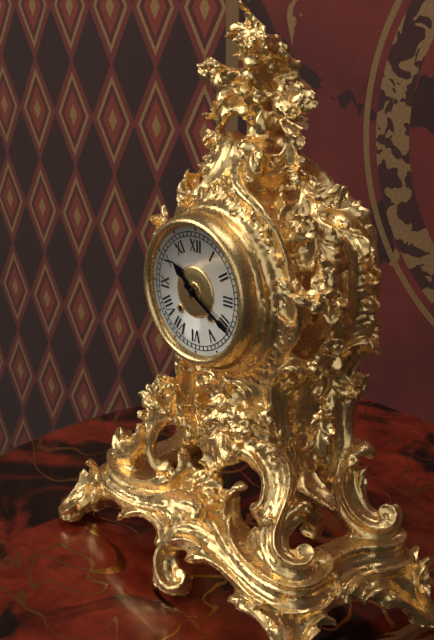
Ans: 10:20
